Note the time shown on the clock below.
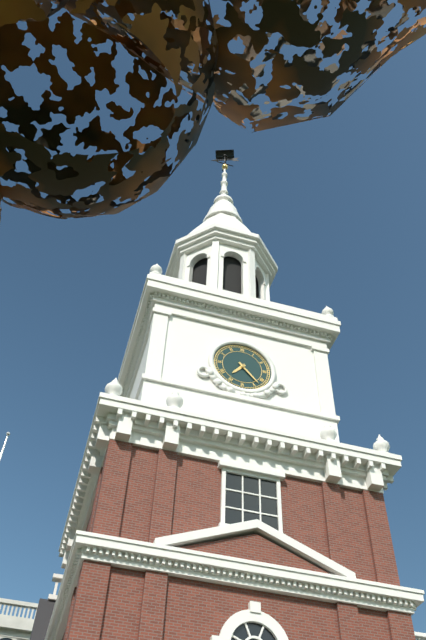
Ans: 7:23
